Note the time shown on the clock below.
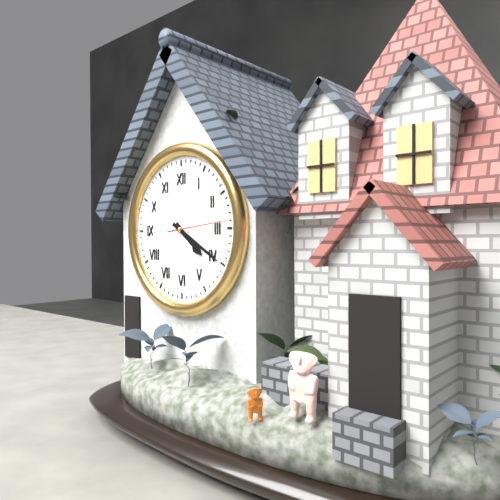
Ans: 4:20:14
